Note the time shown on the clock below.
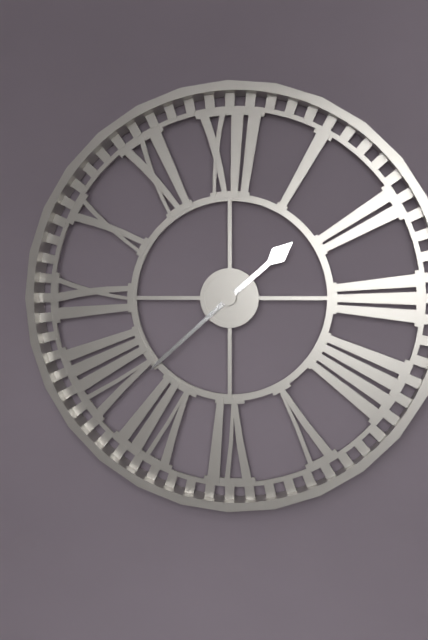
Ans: 1:38
